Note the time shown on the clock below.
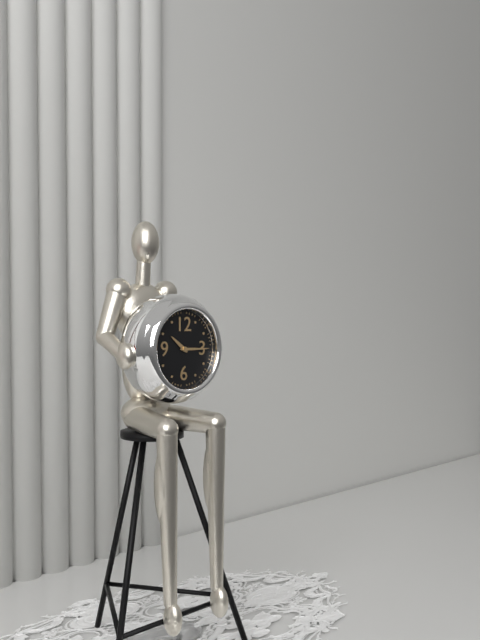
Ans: 10:15
